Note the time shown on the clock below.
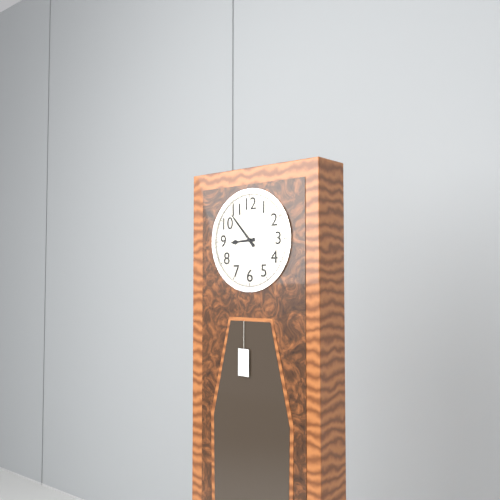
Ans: 8:53
